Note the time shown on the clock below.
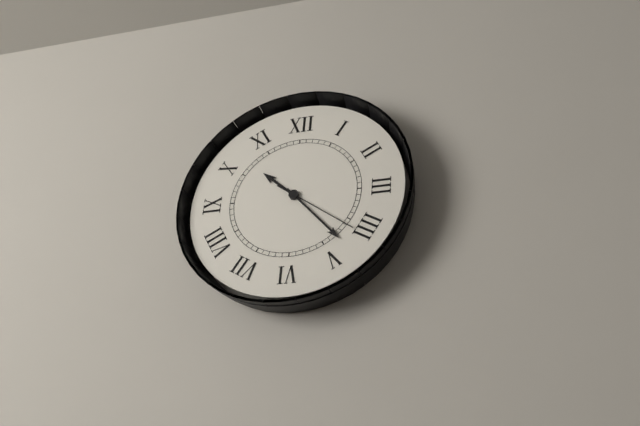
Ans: 10:23:21
